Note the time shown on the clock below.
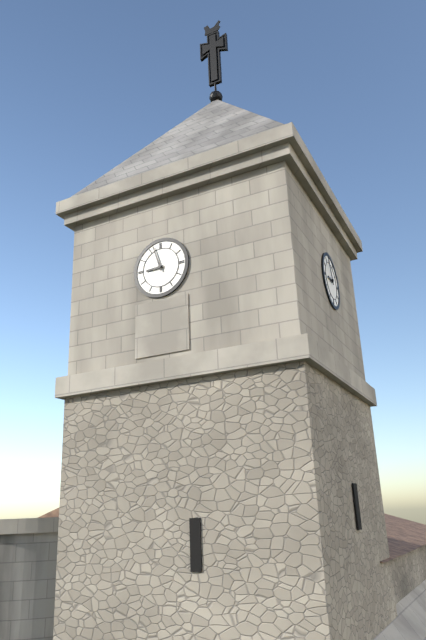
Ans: 8:57
